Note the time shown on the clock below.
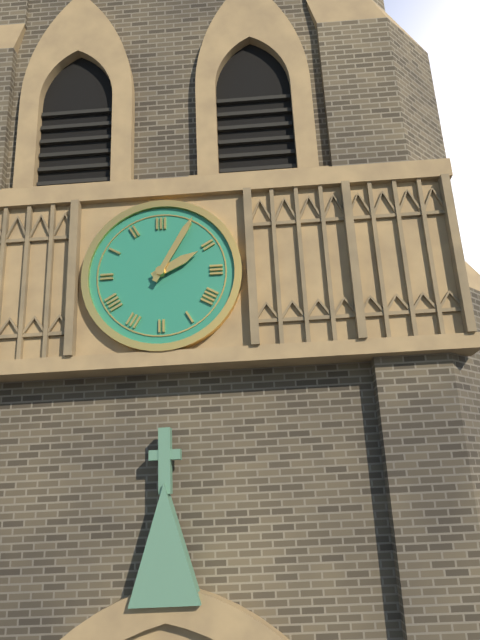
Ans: 2:05
